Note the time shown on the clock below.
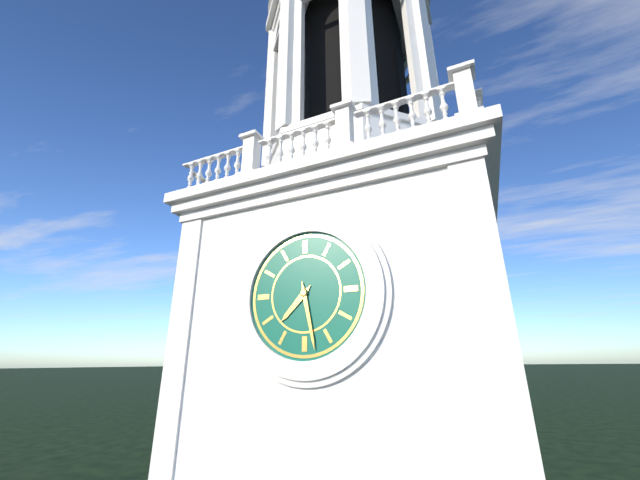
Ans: 7:28
